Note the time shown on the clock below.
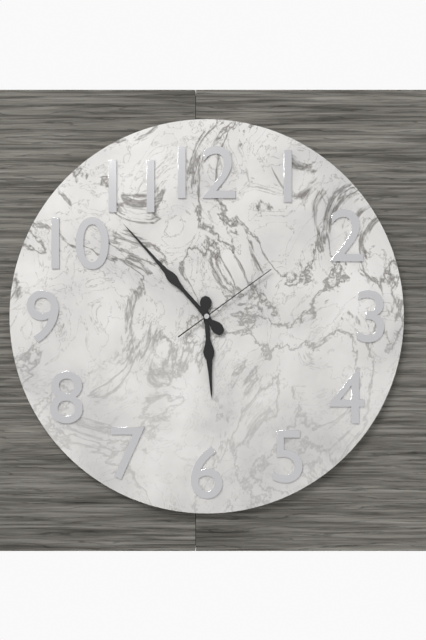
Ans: 5:53:09
